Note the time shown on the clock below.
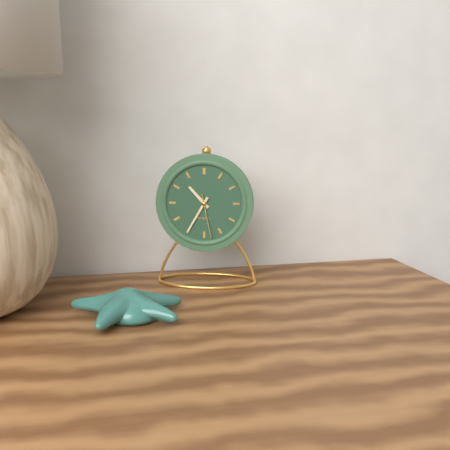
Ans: 10:35
